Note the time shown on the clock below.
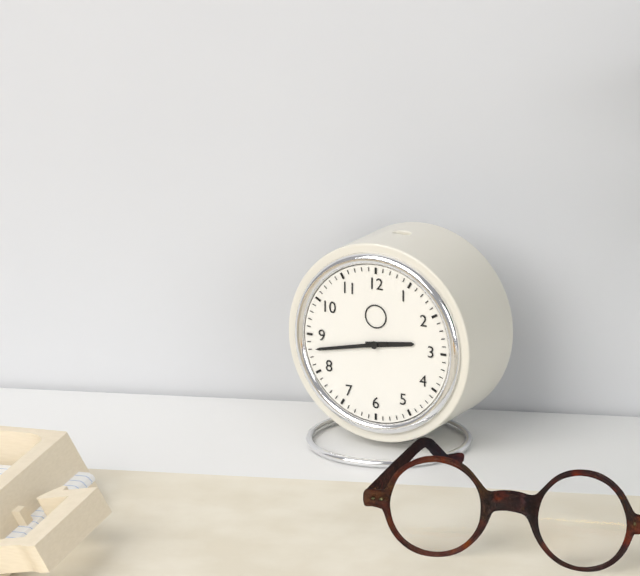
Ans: 2:43
